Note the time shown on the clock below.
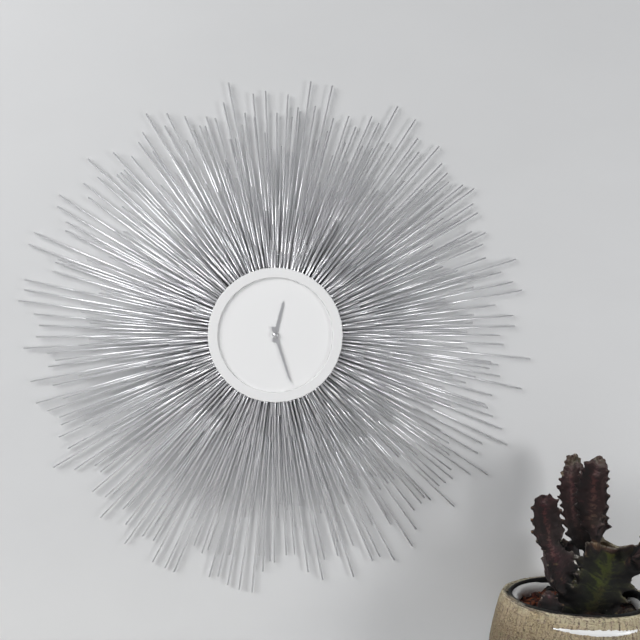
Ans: 12:27
